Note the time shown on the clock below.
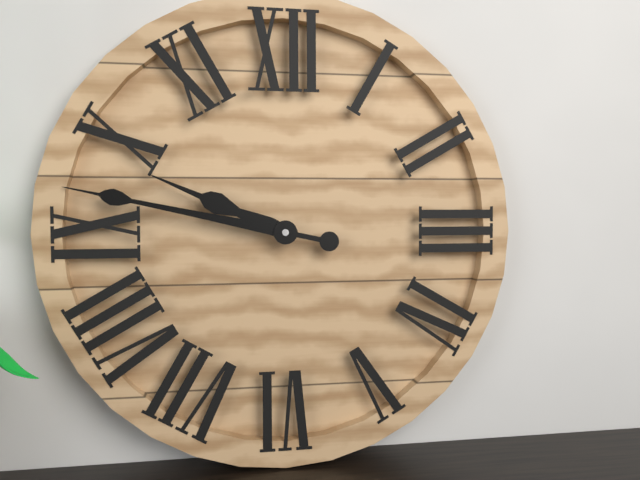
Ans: 9:47
